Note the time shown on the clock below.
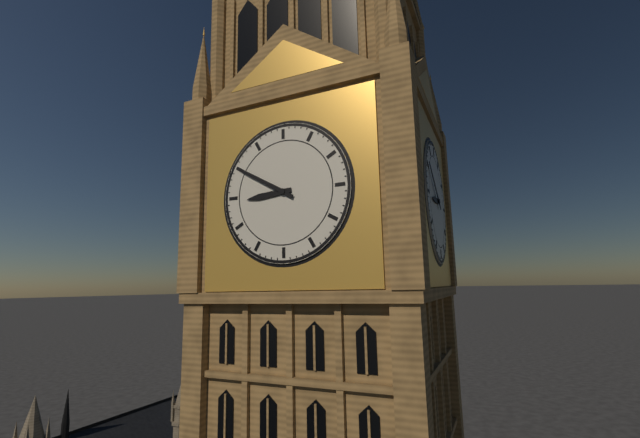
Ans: 8:50
